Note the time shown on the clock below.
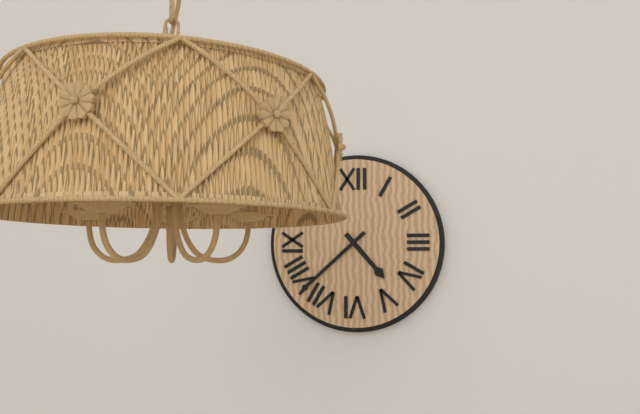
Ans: 4:38
